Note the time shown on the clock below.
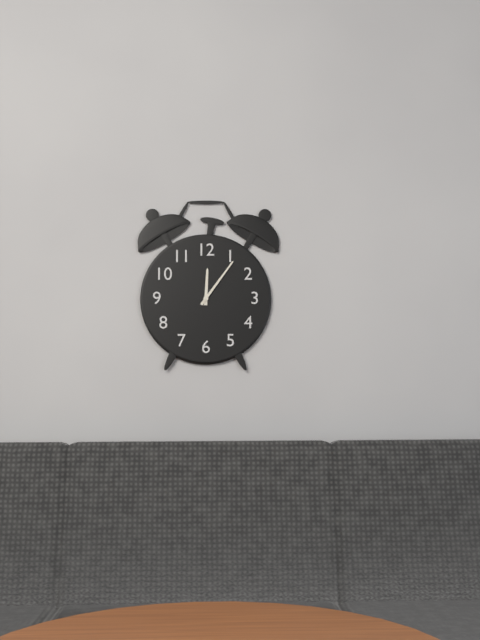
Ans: 12:06
